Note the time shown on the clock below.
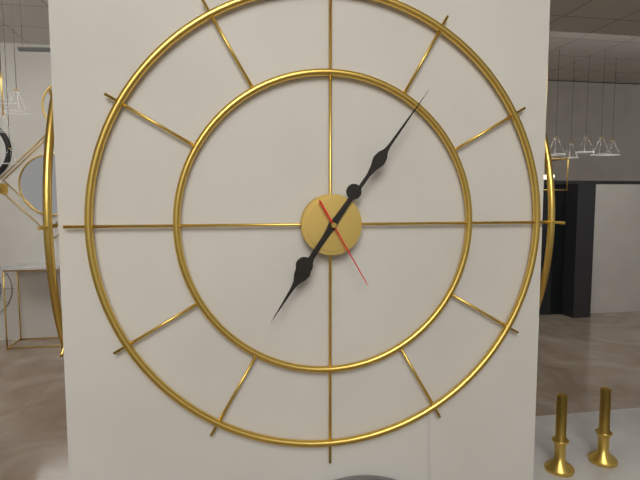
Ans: 7:06:25
